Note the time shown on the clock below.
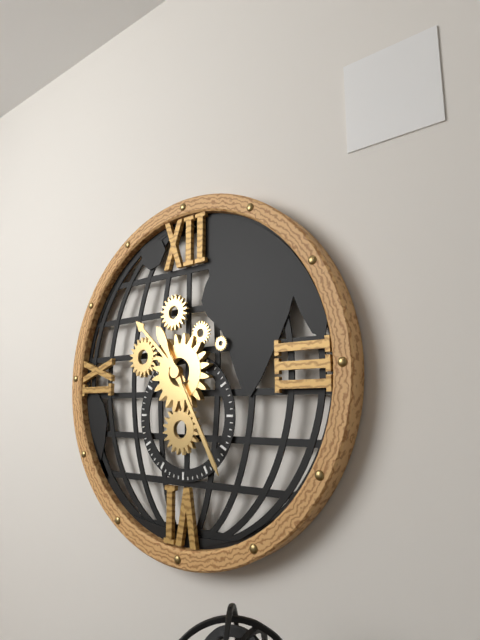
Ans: 10:25
